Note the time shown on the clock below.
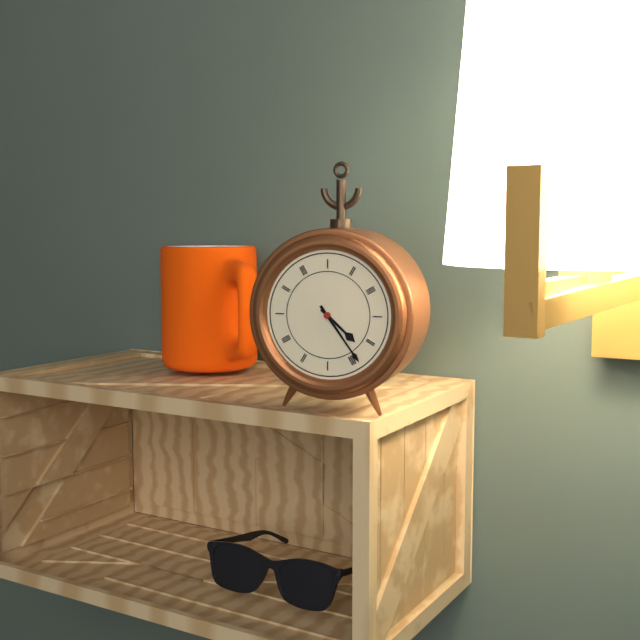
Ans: 4:24
